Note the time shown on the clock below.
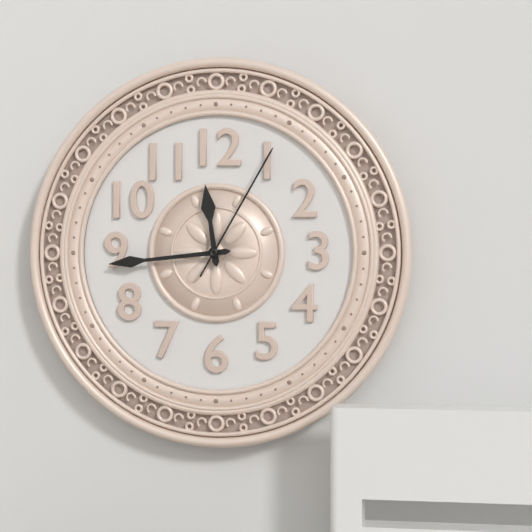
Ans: 11:44:05
